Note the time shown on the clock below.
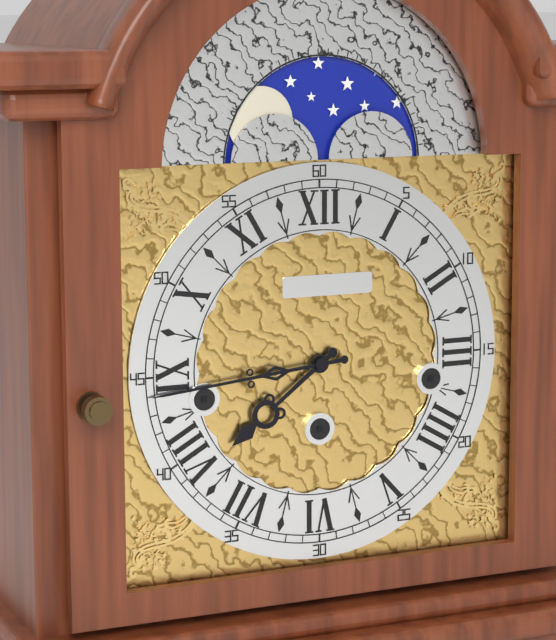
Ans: 7:44
